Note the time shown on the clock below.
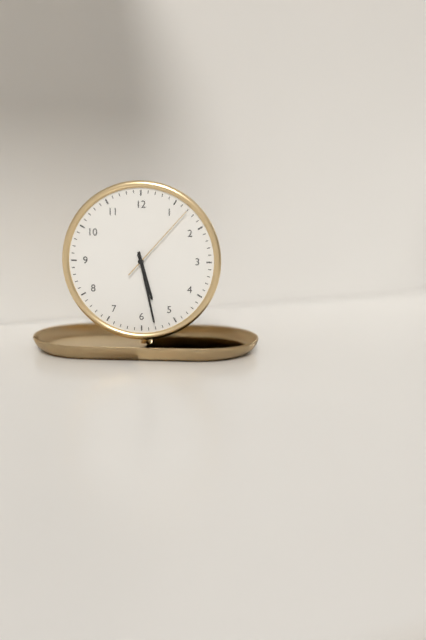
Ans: 5:28:07
